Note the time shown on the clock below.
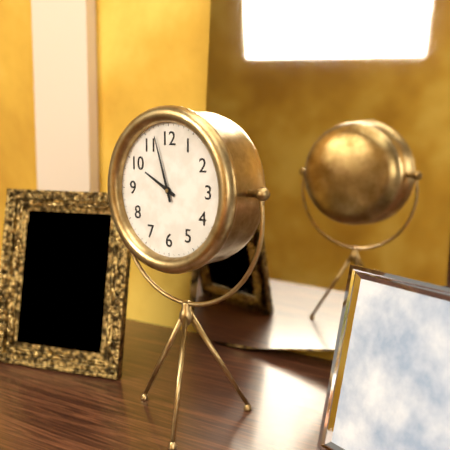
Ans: 9:57
